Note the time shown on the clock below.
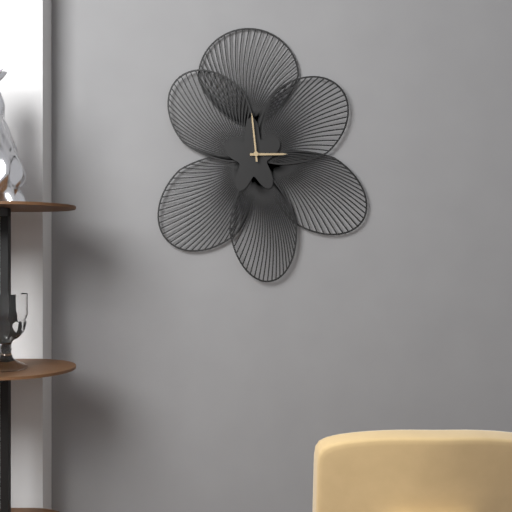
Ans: 2:59
